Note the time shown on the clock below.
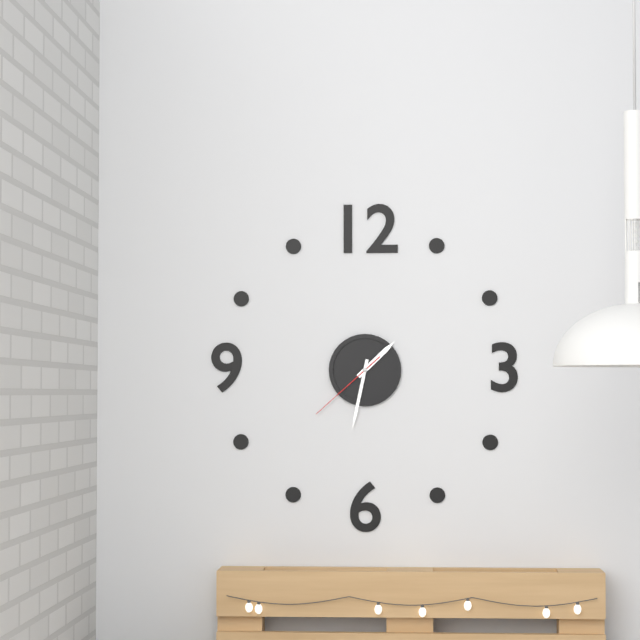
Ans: 1:32:38
